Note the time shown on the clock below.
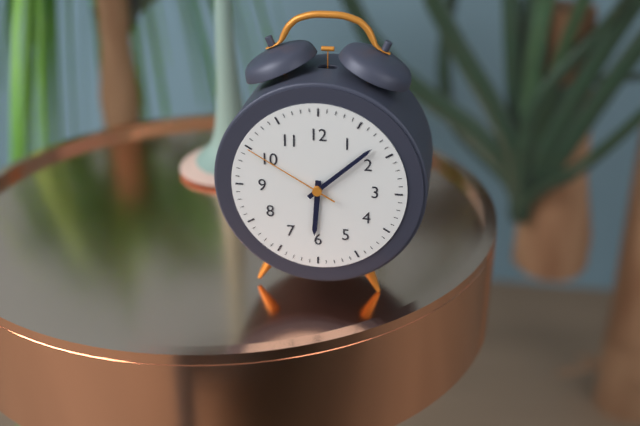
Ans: 6:08:50
